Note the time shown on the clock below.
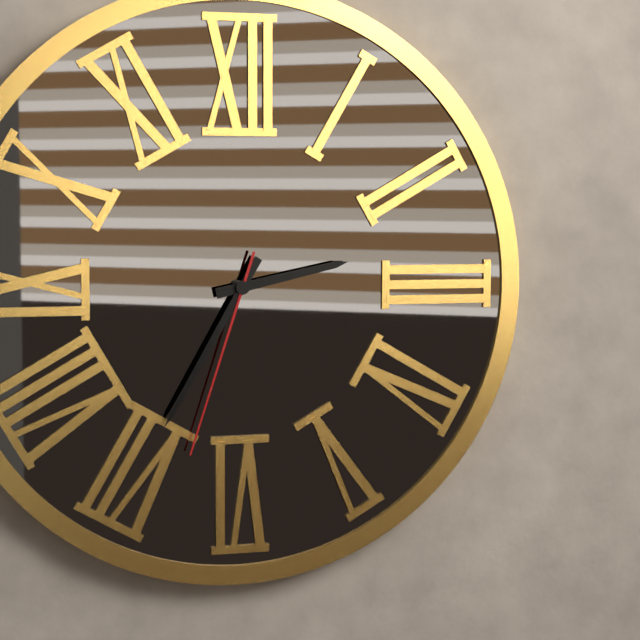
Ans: 2:35:33
